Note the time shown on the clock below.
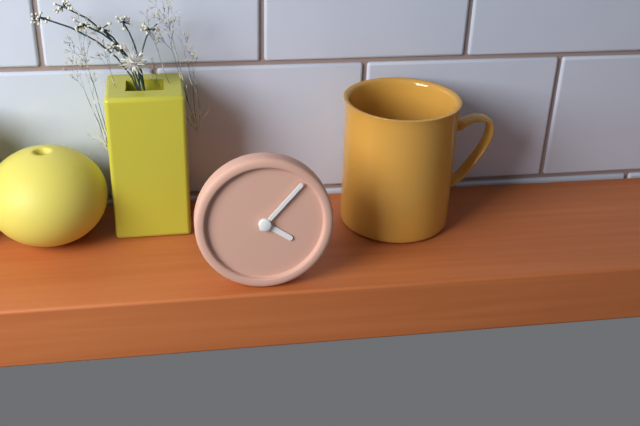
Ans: 4:07
